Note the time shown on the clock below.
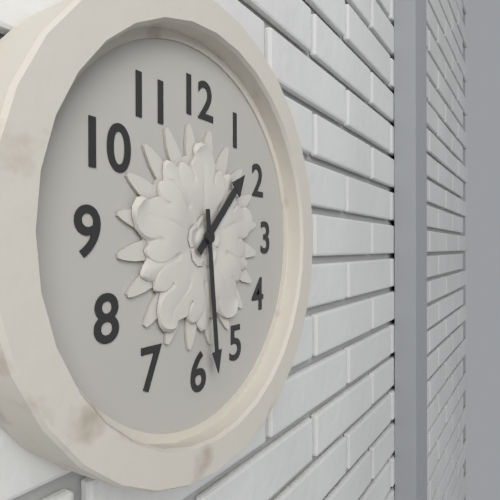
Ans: 1:29
